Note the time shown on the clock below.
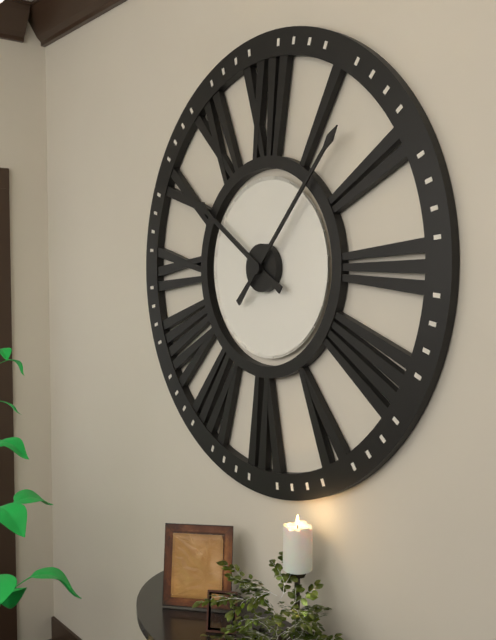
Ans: 10:07
